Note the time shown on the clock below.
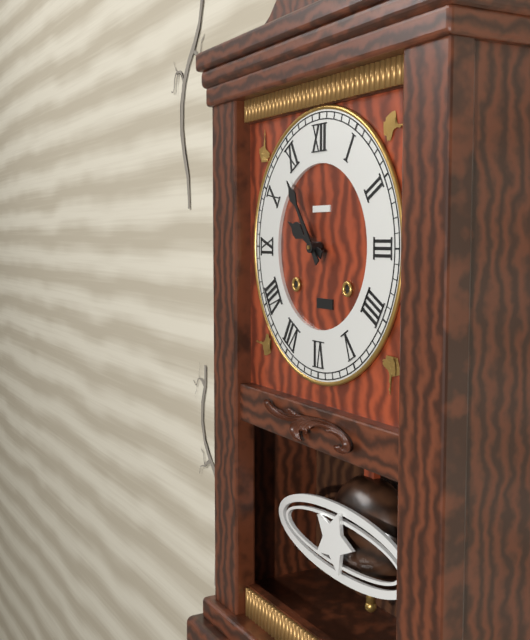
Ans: 9:54
